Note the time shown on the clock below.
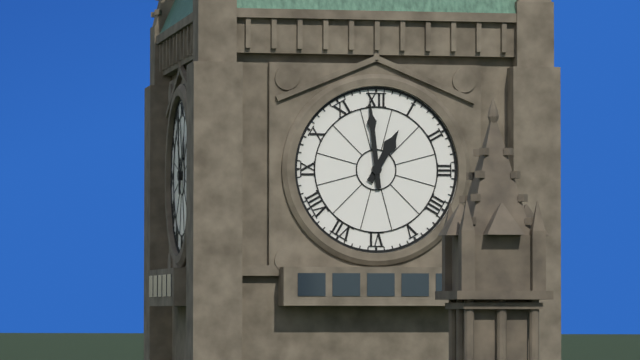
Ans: 12:59
